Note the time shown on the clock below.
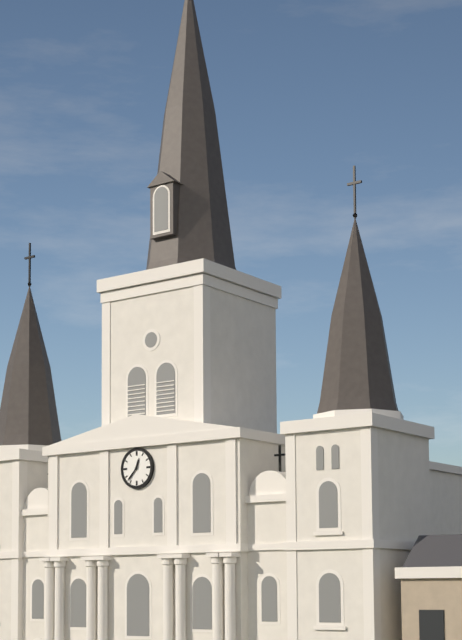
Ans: 12:37
